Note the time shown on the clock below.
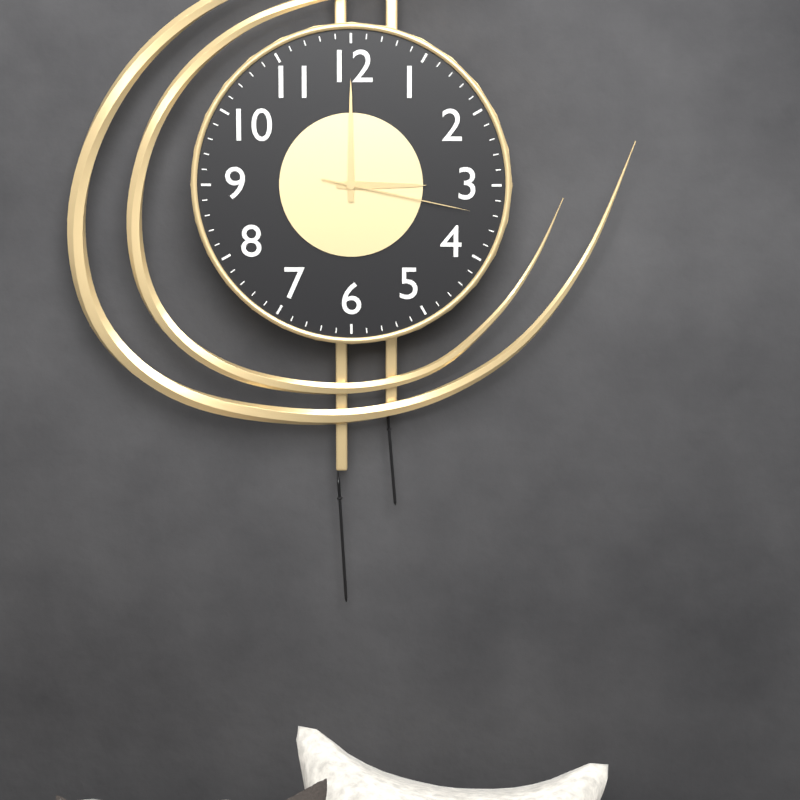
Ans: 3:00:17
